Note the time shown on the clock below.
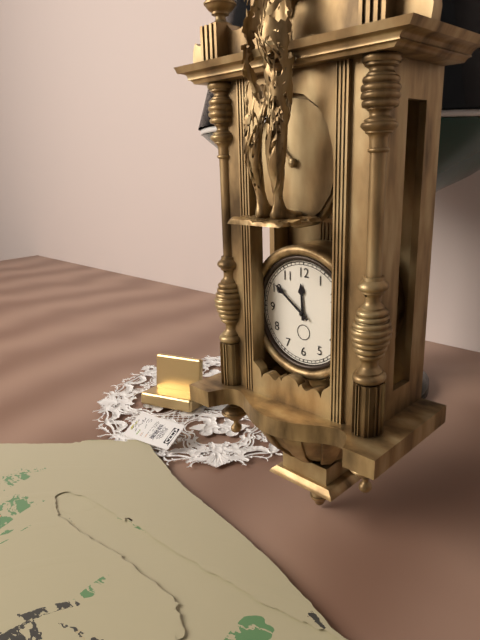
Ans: 11:51
